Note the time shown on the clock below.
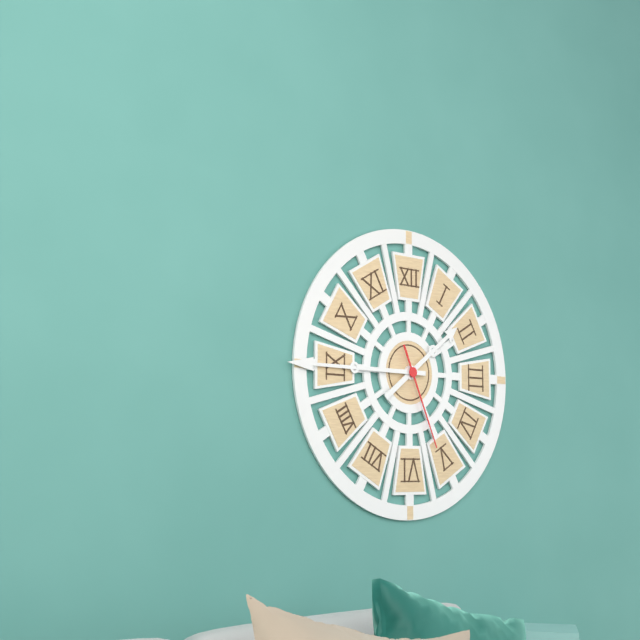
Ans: 1:45:26
